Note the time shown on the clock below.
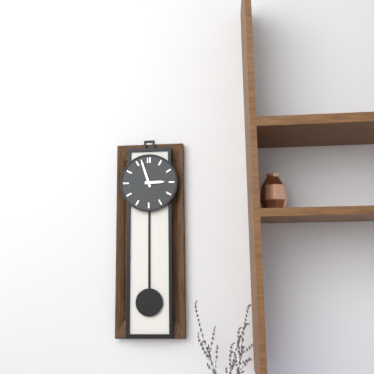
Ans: 2:57
